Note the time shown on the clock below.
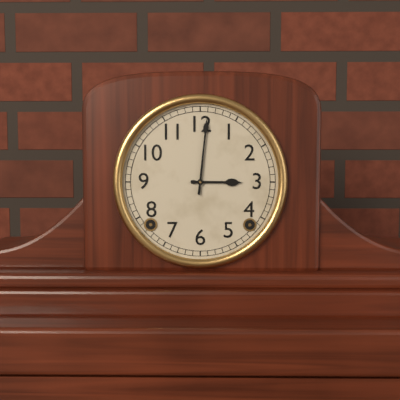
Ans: 3:01
